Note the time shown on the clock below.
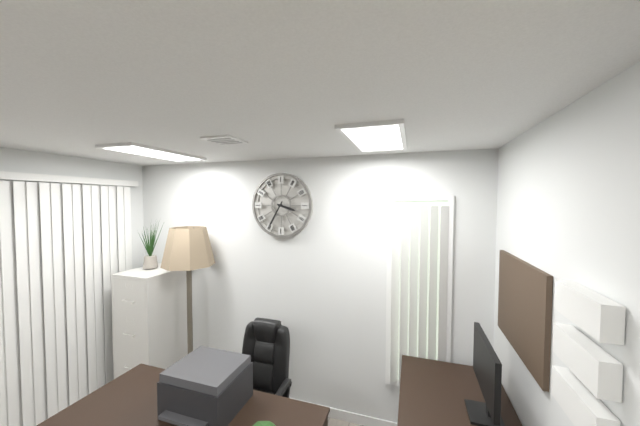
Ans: 3:35
